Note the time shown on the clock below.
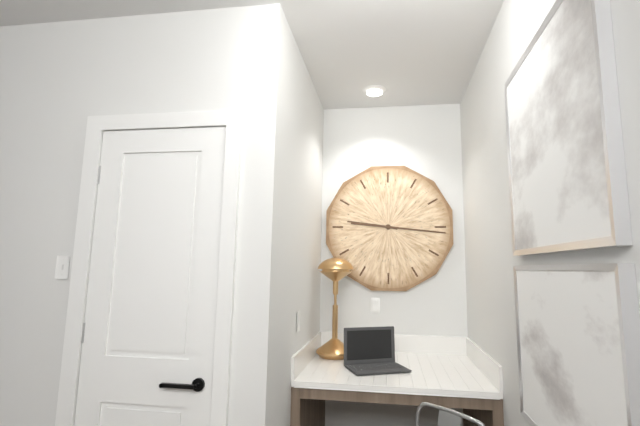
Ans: 9:16
